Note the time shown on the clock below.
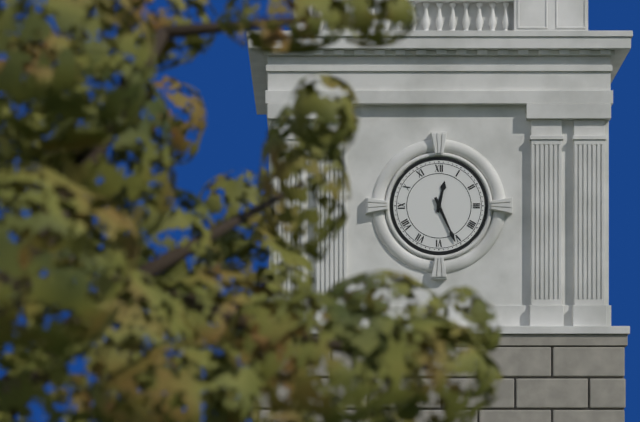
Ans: 12:26
